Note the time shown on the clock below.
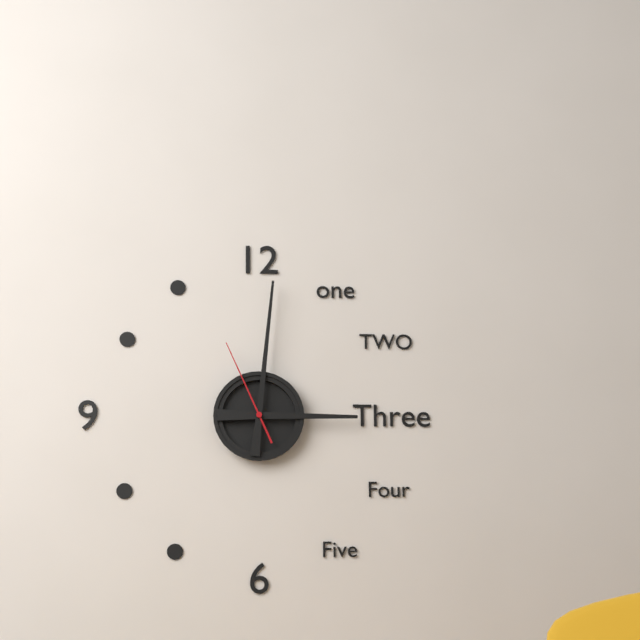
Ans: 3:01:56
